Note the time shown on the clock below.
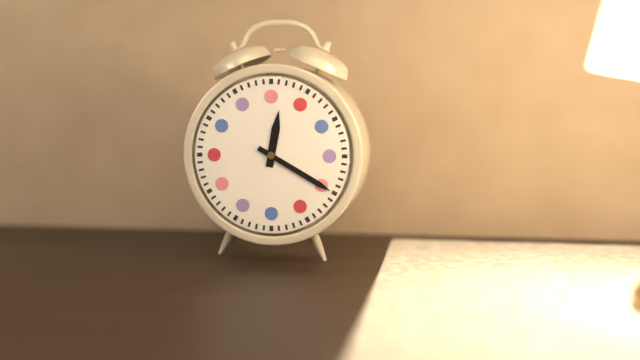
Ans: 12:20
